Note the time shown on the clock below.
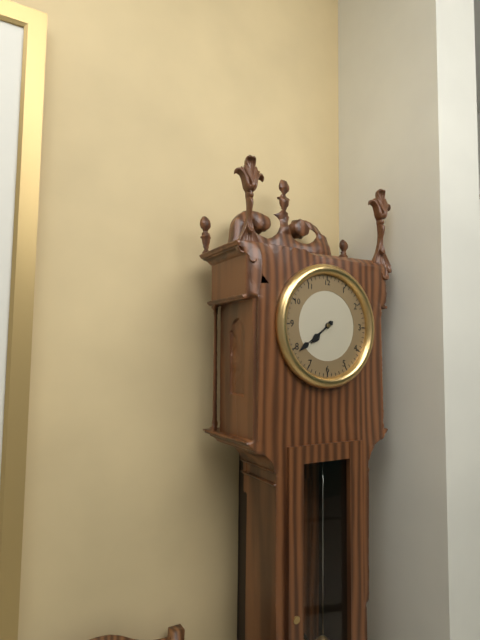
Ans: 7:39
